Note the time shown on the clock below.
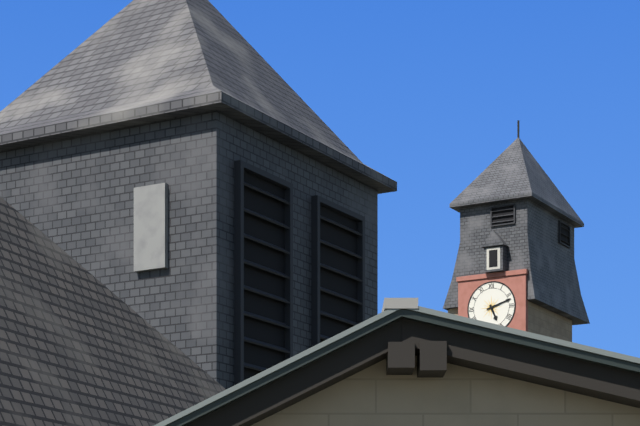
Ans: 5:12
